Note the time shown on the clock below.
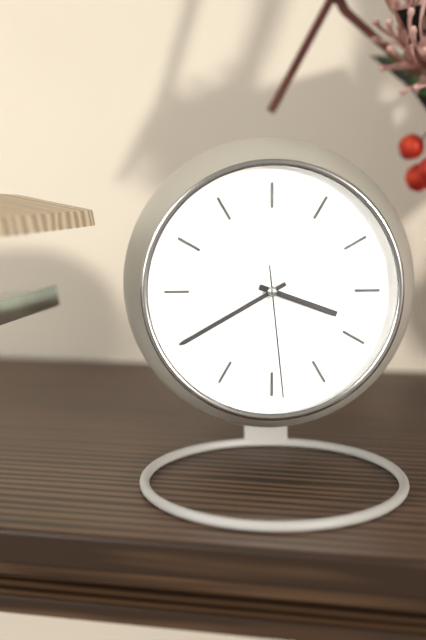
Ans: 3:40:29
